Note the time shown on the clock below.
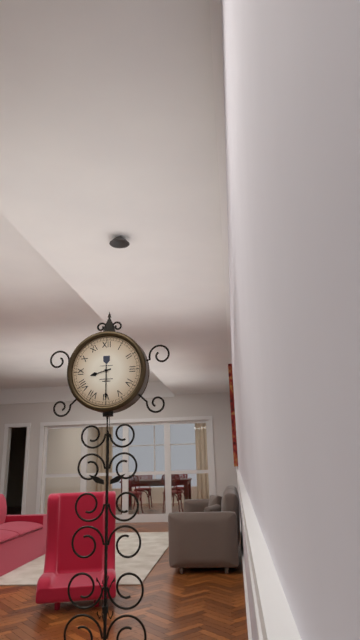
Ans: 8:30
